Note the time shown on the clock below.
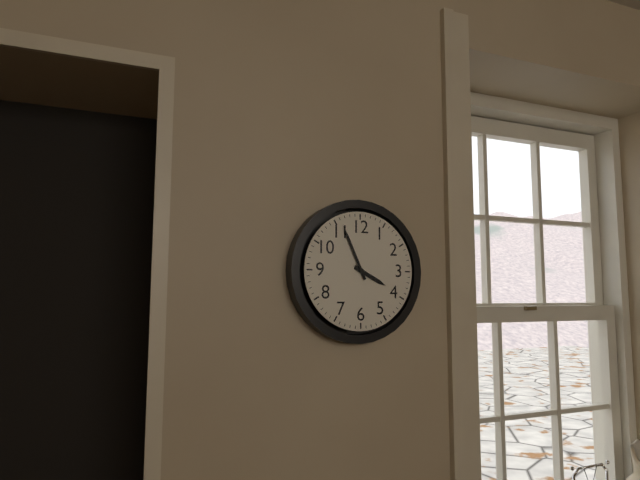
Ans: 3:56
